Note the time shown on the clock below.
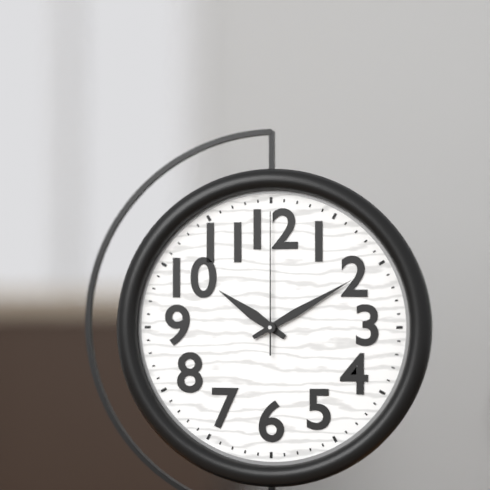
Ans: 10:10:00
